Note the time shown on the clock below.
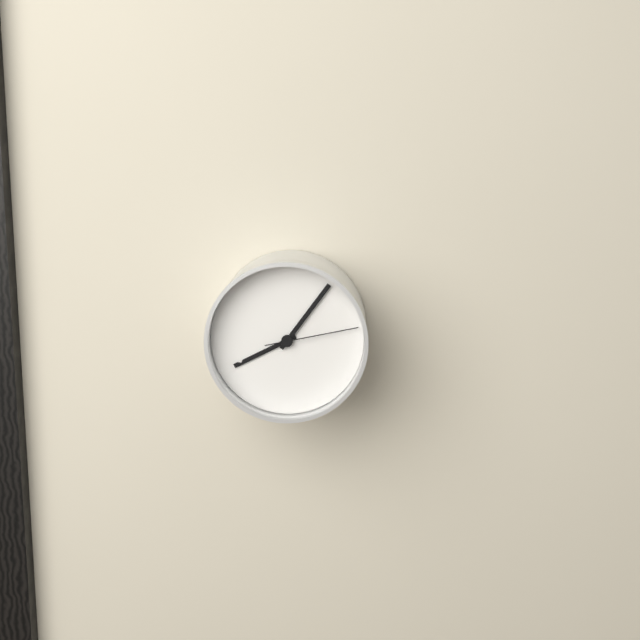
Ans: 8:06:13
